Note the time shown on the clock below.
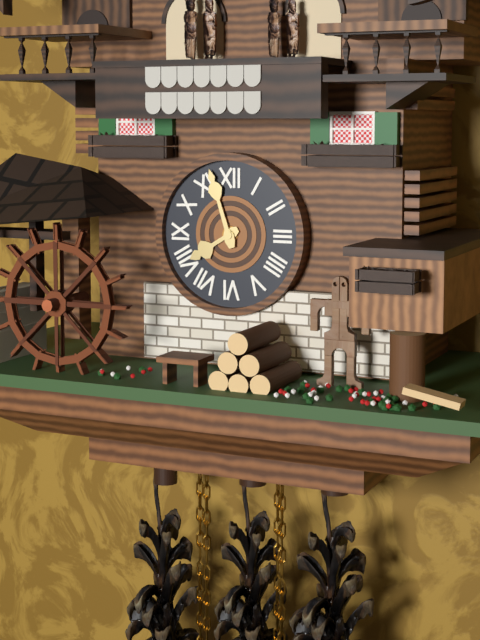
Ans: 7:57
